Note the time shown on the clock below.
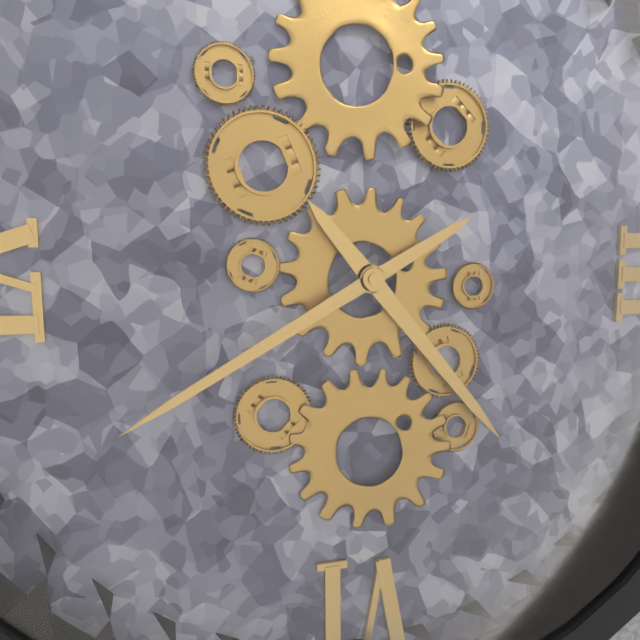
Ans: 4:40
